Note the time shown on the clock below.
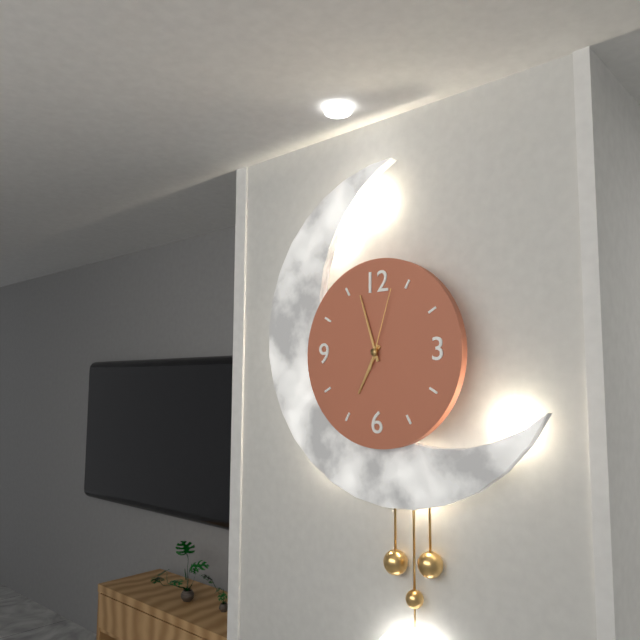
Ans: 6:57:03
